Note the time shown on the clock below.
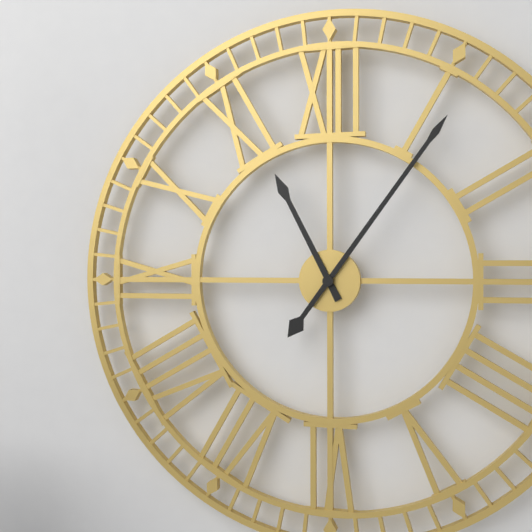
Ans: 11:06
